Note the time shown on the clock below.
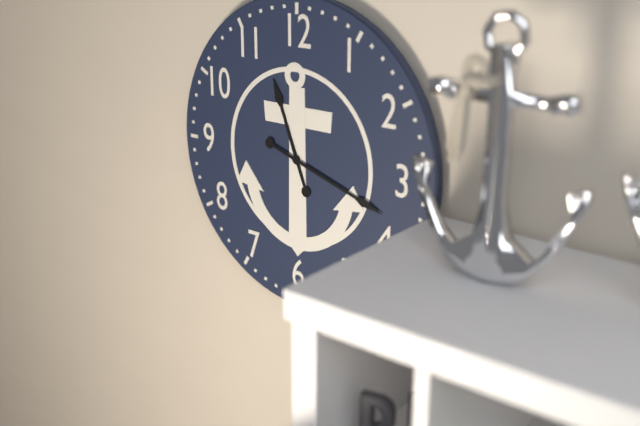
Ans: 11:18
